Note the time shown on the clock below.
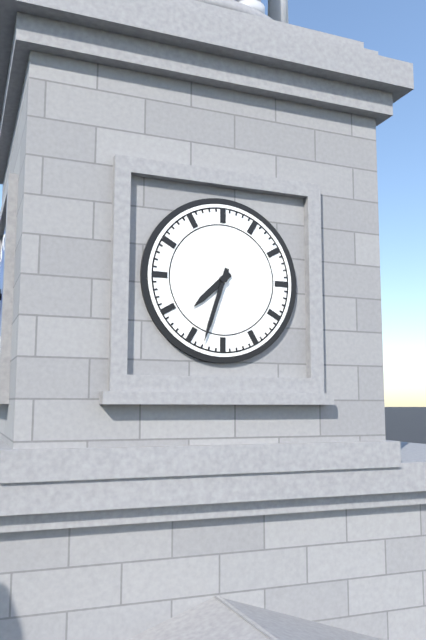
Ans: 7:33
